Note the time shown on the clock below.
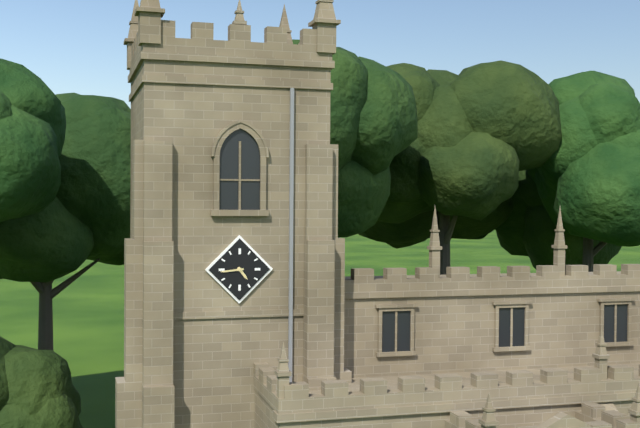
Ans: 4:44
